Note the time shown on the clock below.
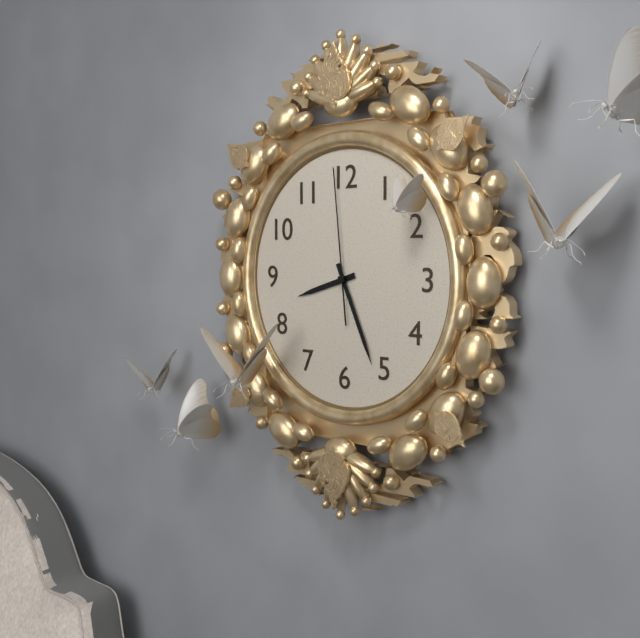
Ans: 8:26:59
